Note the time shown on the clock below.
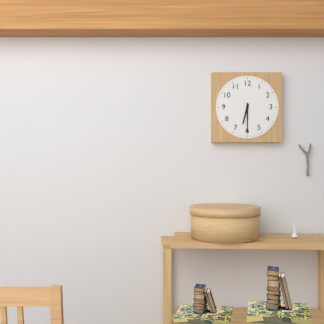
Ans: 6:30
